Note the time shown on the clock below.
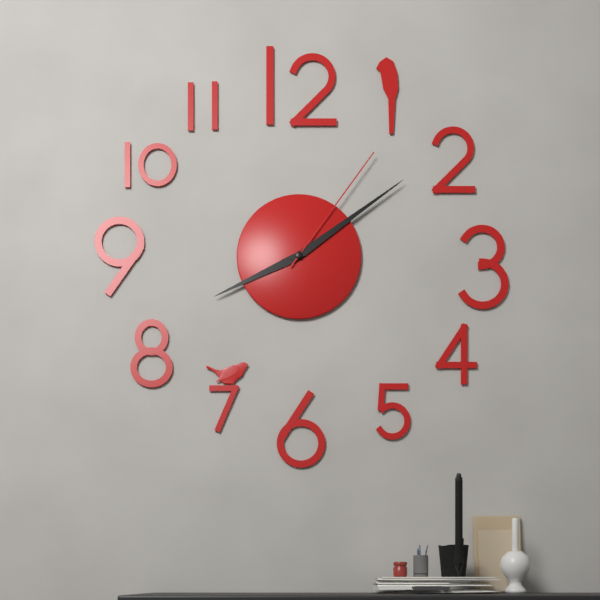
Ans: 8:09:06
